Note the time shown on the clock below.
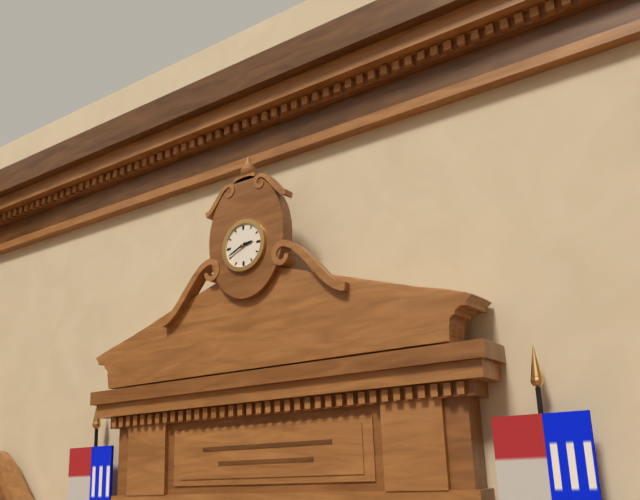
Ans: 2:41
